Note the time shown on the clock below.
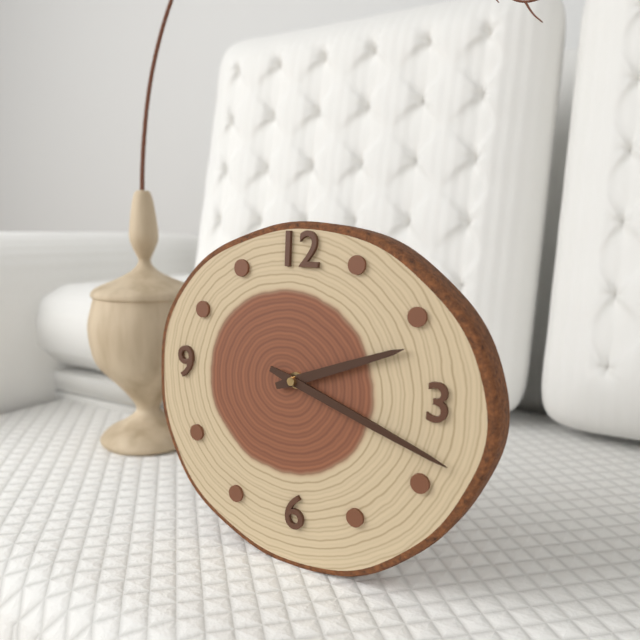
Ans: 2:18
